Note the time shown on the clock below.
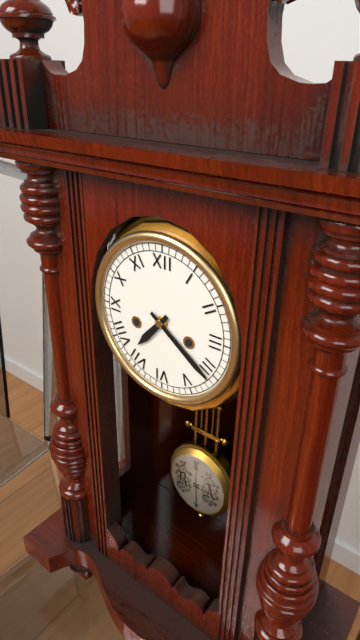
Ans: 7:21
